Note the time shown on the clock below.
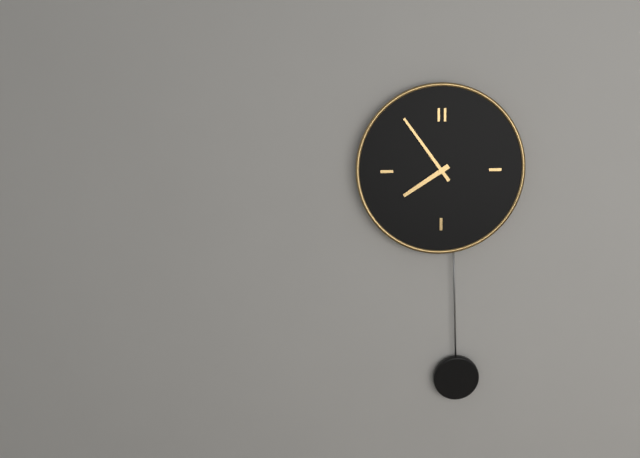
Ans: 7:54
